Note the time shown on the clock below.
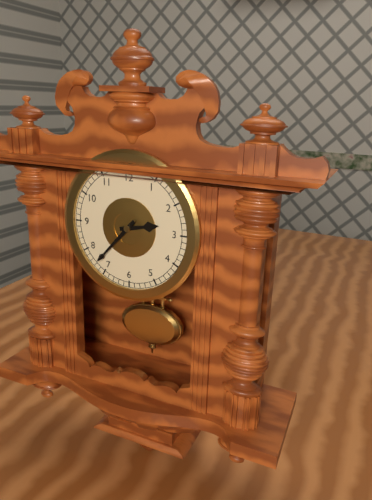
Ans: 2:37
